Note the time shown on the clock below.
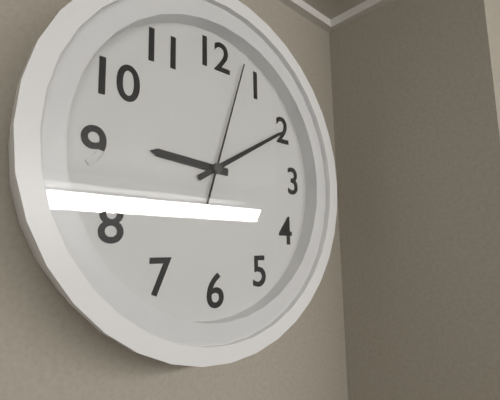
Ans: 9:10:03
